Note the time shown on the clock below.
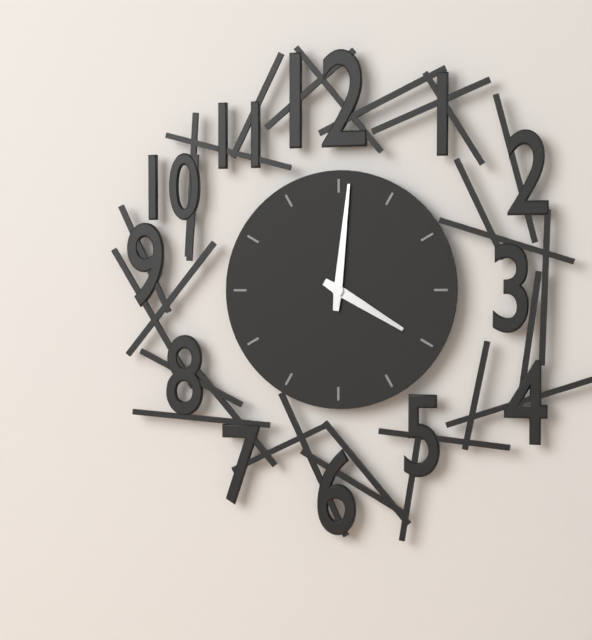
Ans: 4:01
